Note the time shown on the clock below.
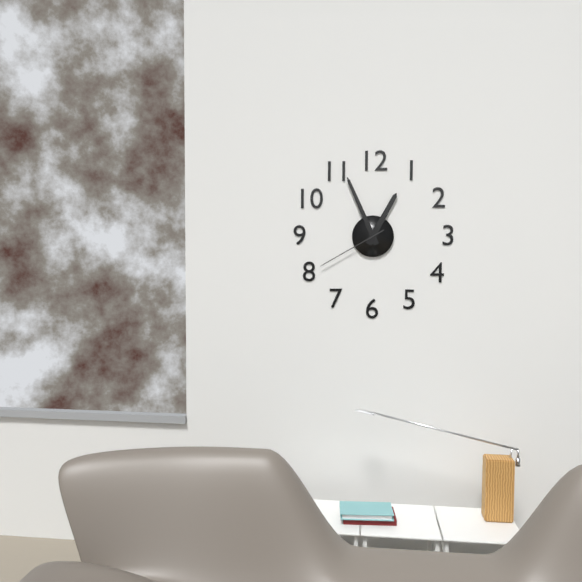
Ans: 12:56:40
